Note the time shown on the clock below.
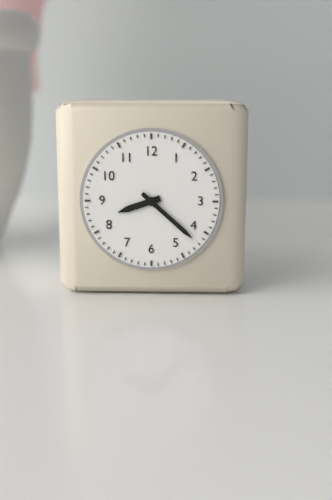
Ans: 8:22
